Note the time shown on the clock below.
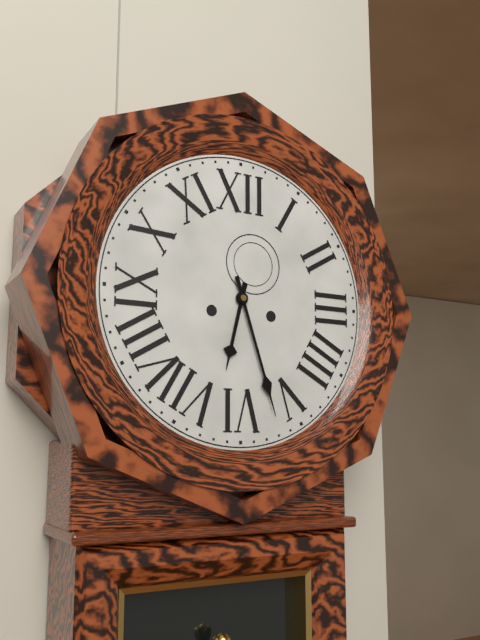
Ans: 6:27
